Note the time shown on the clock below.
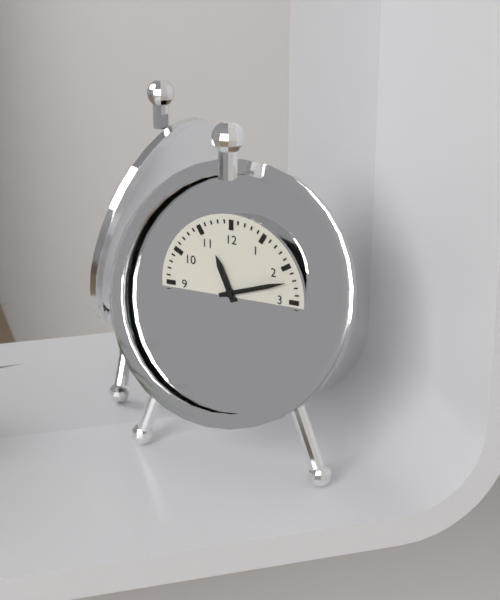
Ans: 11:12
